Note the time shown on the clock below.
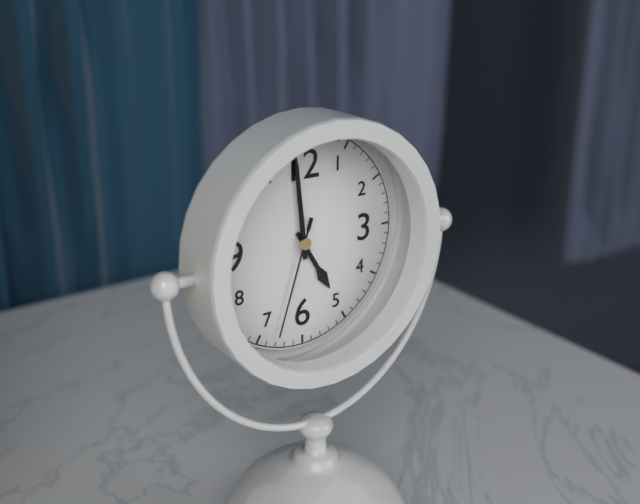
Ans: 4:59:33
